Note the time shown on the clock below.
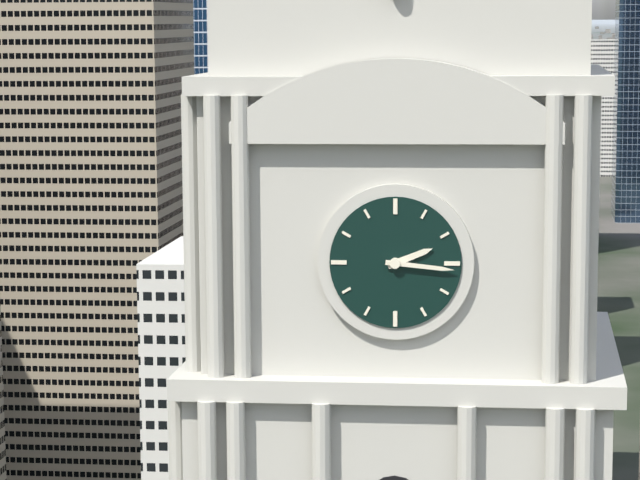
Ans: 2:16
